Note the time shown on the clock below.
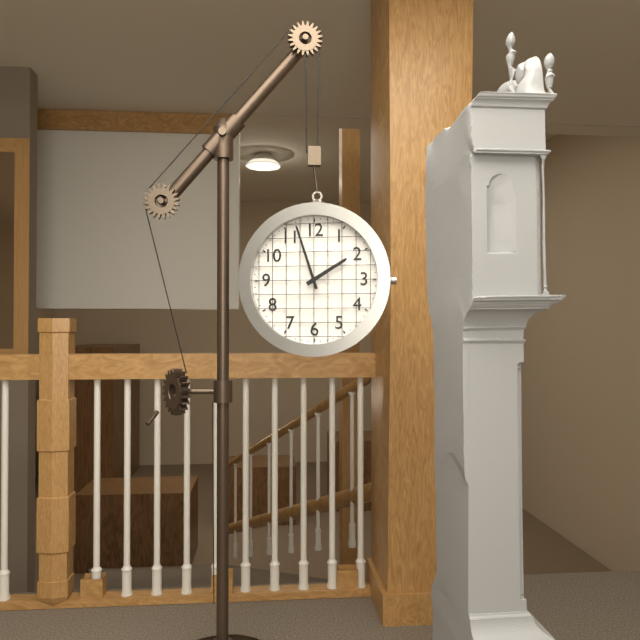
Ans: 1:57
